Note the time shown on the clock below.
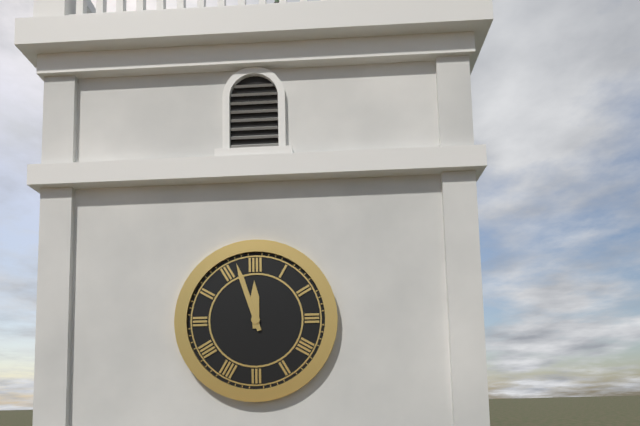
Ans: 11:57
